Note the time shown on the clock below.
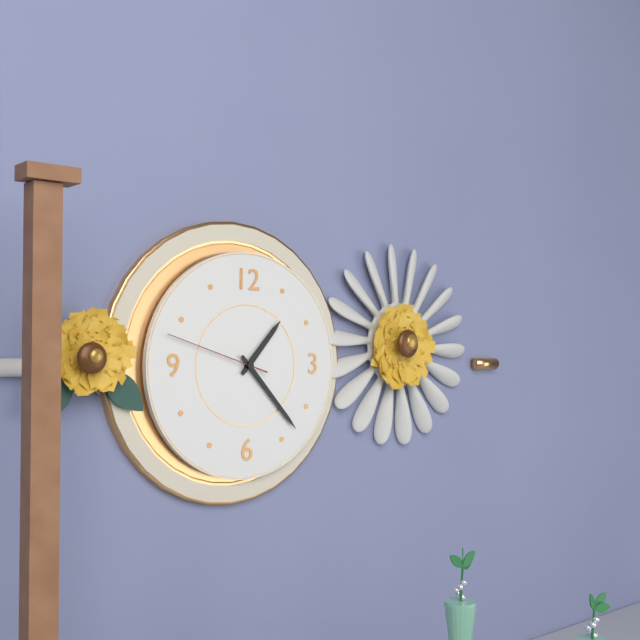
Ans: 1:23:48
